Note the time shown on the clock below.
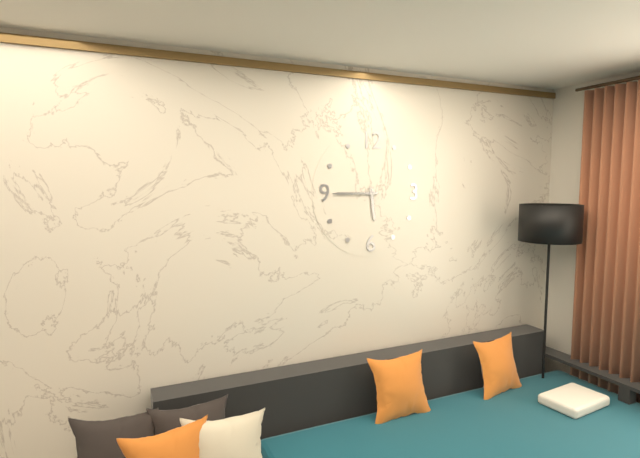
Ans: 5:45
